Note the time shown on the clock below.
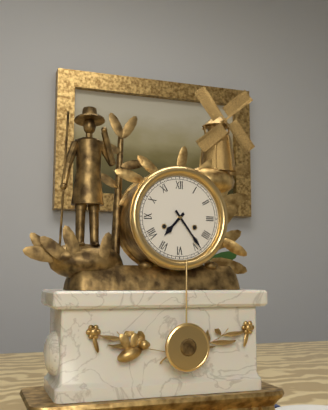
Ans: 7:24
